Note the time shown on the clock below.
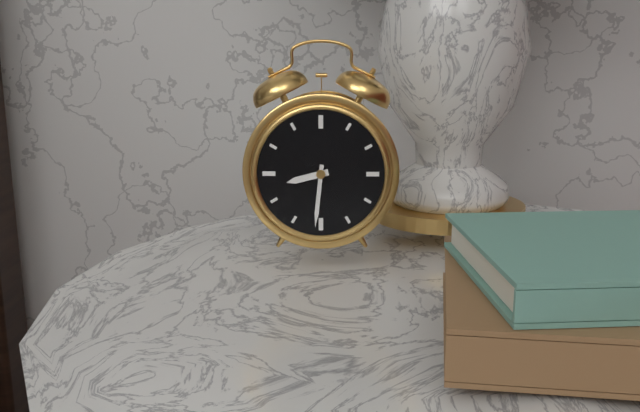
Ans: 8:31
